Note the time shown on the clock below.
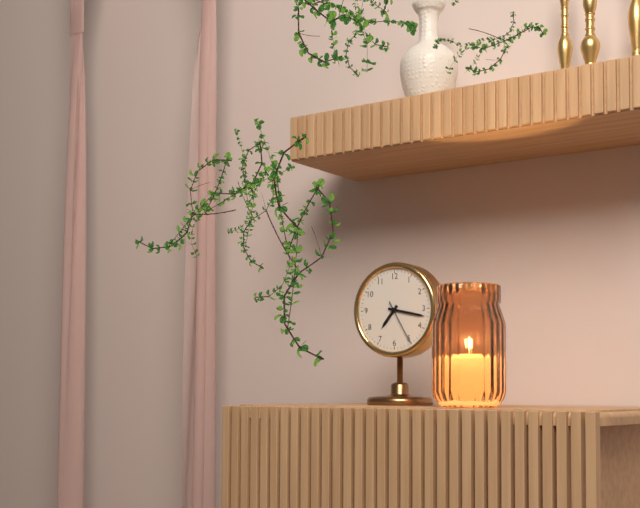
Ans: 7:17
